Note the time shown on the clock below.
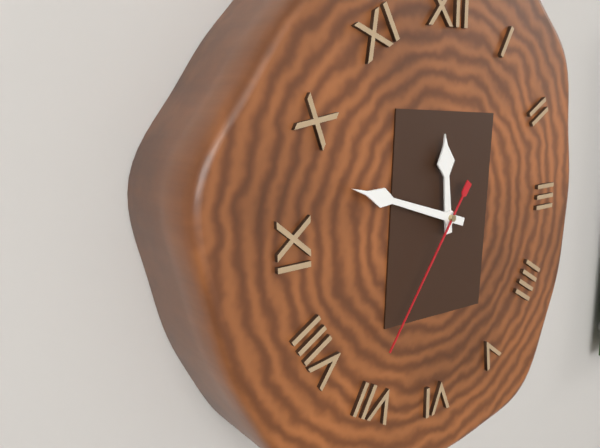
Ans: 11:48:36
